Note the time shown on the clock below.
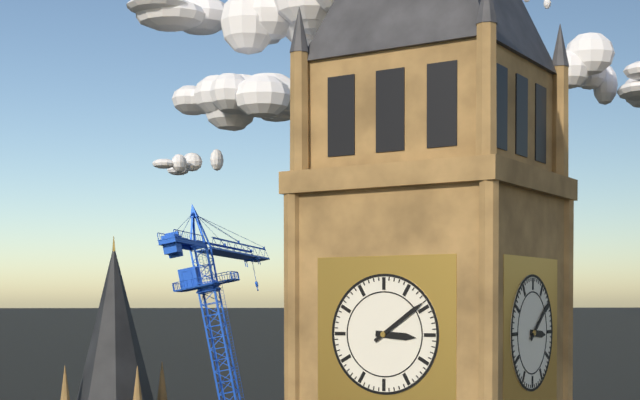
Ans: 3:09
